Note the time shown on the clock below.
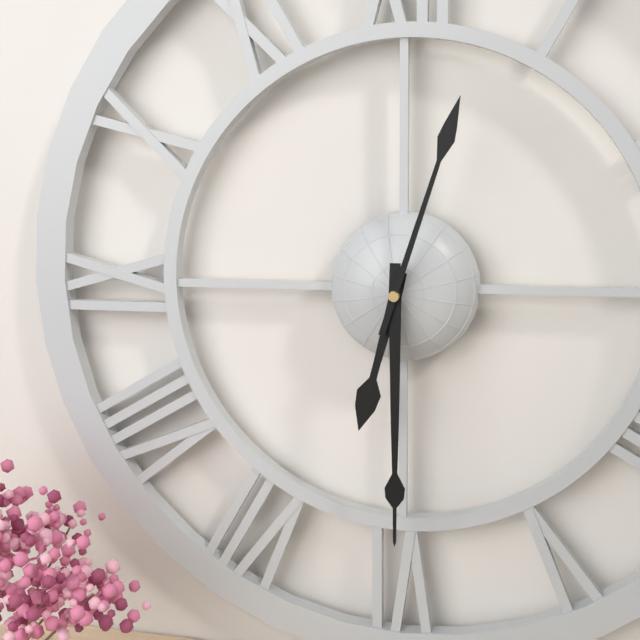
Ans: 6:30:03
